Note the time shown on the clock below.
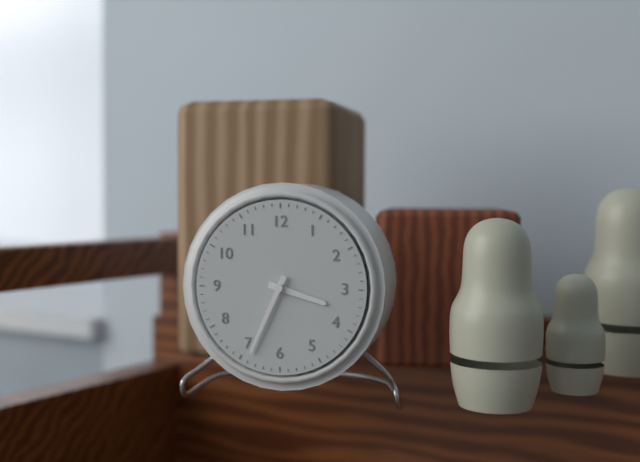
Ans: 3:34
